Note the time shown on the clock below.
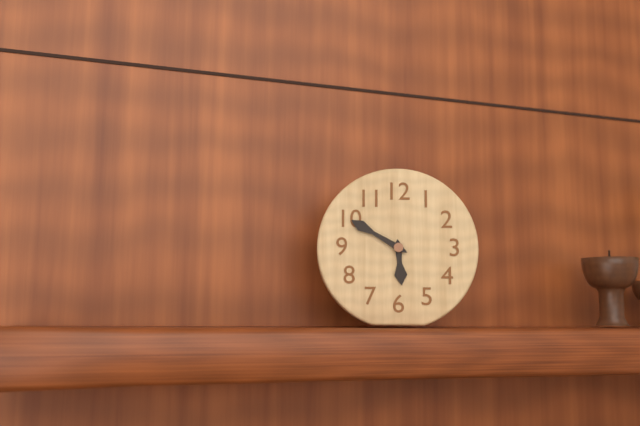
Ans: 5:50
